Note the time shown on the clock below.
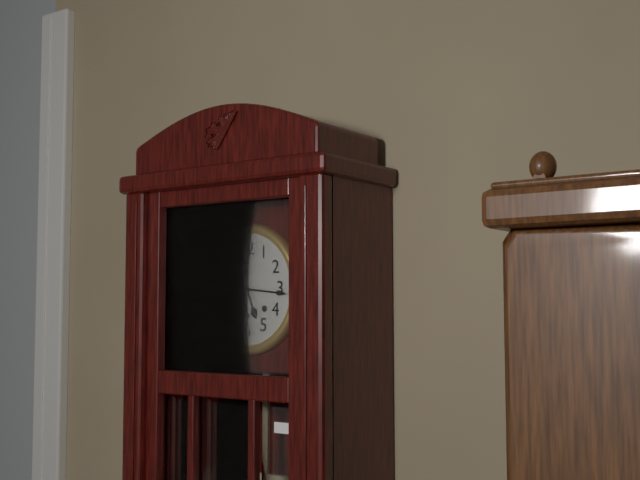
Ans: 5:16
